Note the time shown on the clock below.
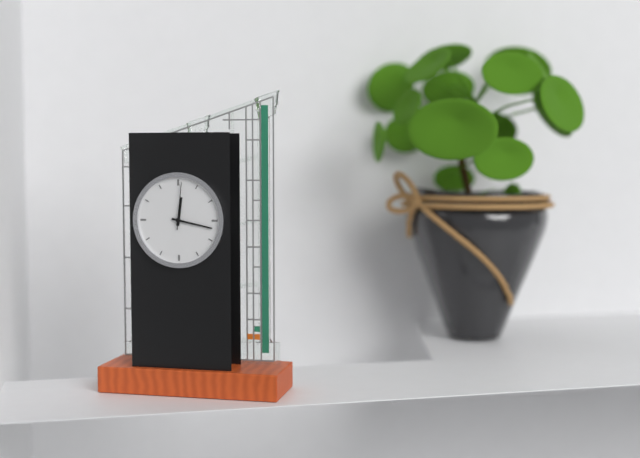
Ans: 12:17
